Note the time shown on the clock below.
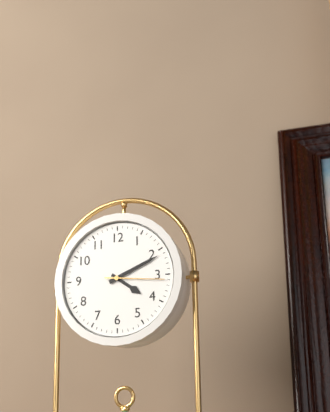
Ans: 4:11:16
